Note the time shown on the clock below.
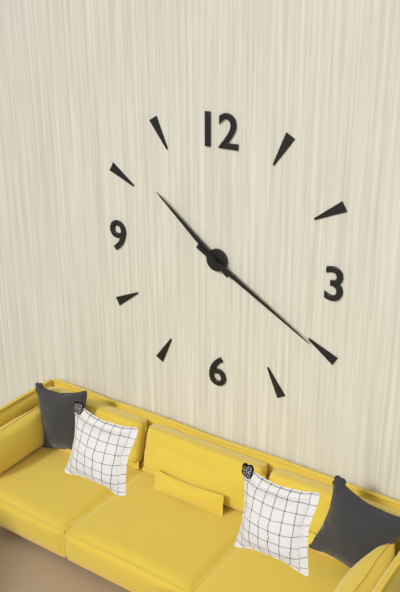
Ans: 10:20
